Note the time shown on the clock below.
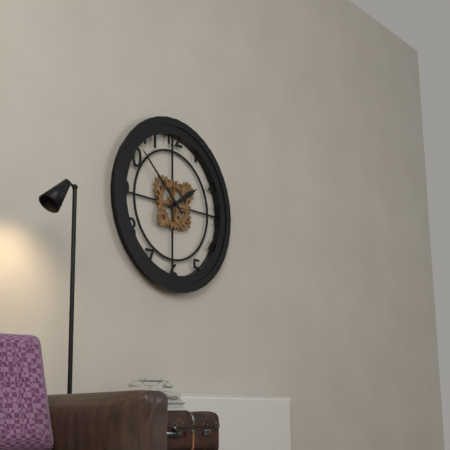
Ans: 1:52
